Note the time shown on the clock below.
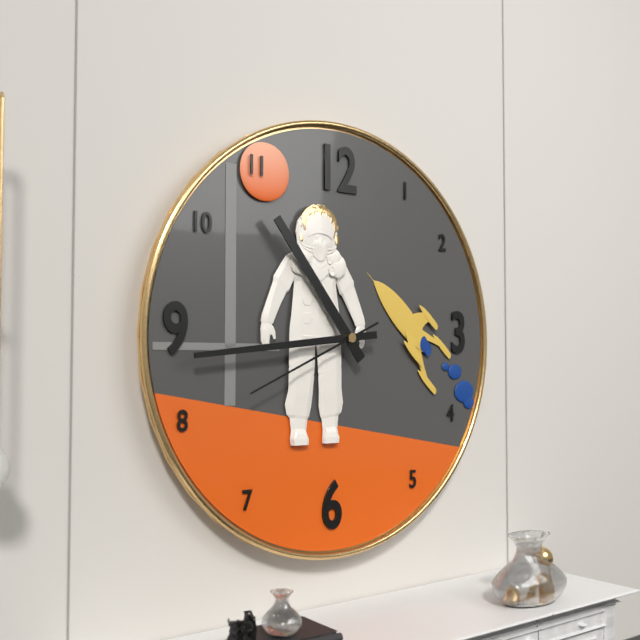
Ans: 10:44:41
